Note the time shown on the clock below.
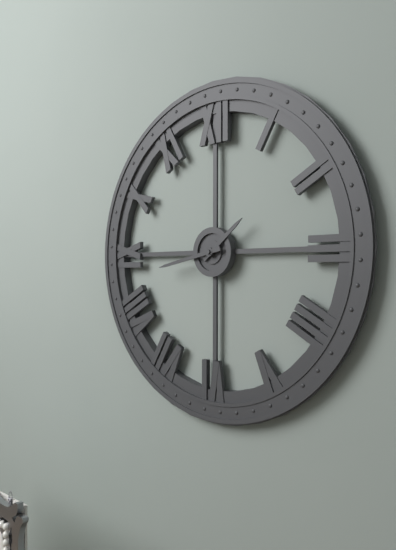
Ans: 1:43
